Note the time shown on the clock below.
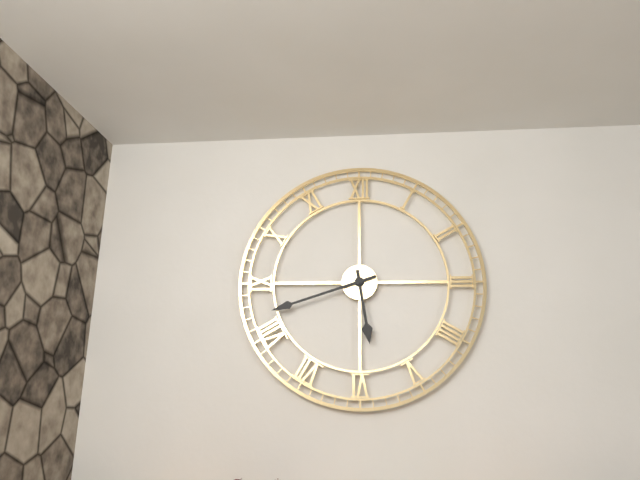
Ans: 5:42
